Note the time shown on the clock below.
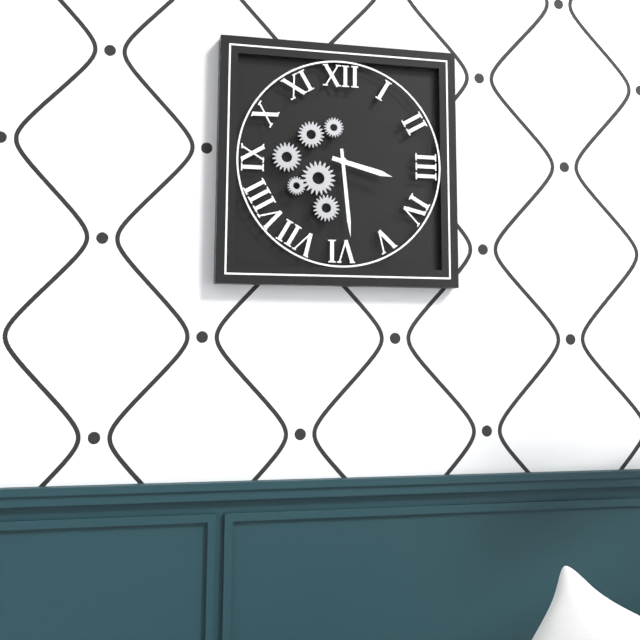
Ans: 3:29
